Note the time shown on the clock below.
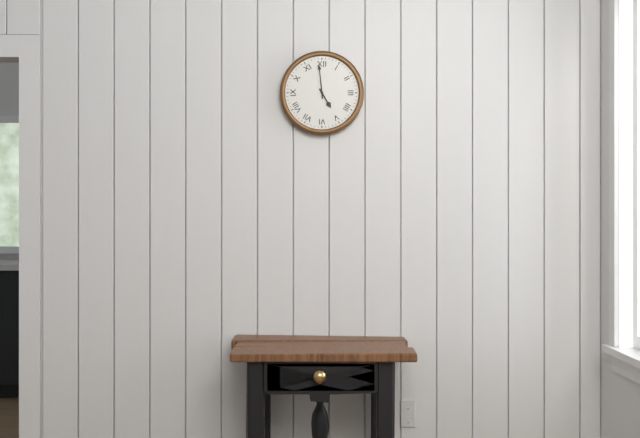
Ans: 4:59
